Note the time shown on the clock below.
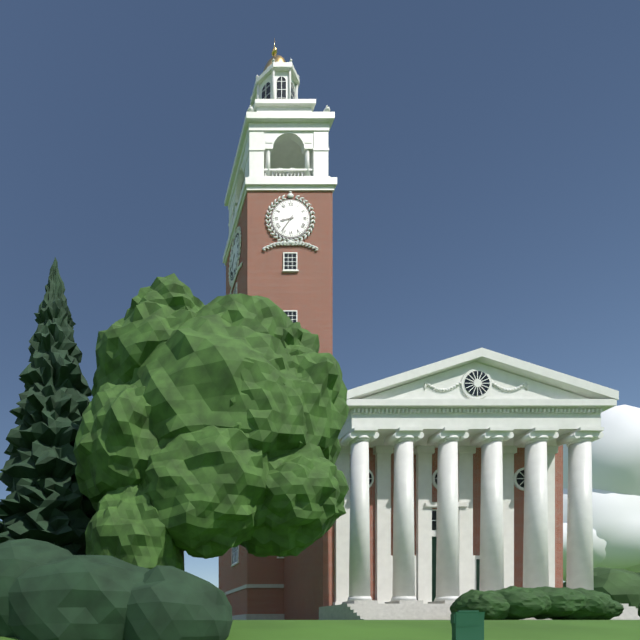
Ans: 8:36
